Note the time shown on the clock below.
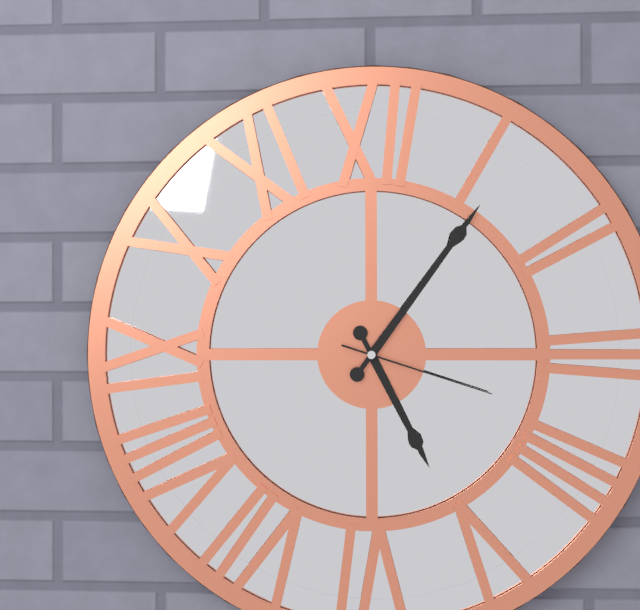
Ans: 5:06:18
